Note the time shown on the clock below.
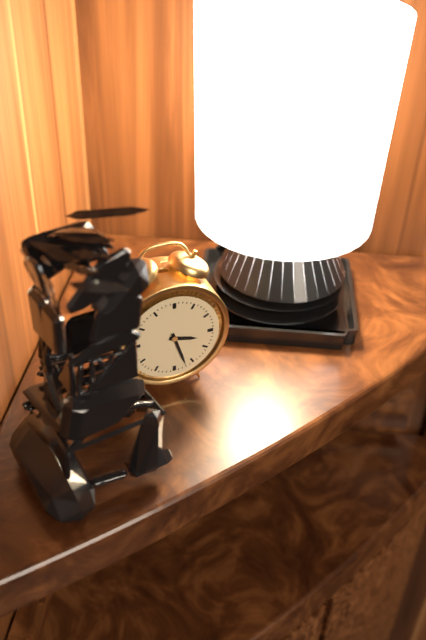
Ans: 3:27
